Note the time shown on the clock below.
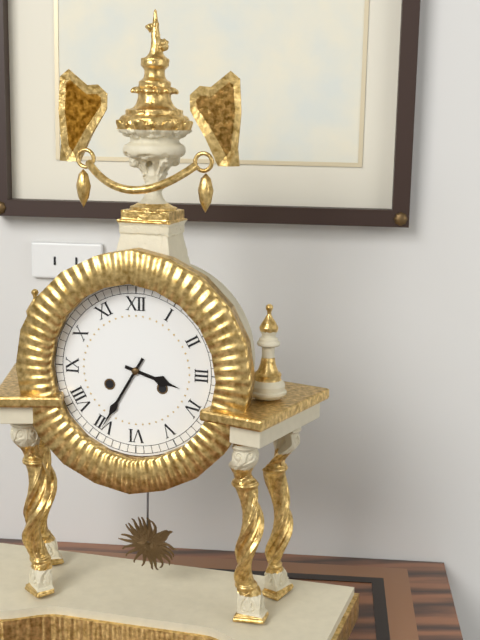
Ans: 3:35
